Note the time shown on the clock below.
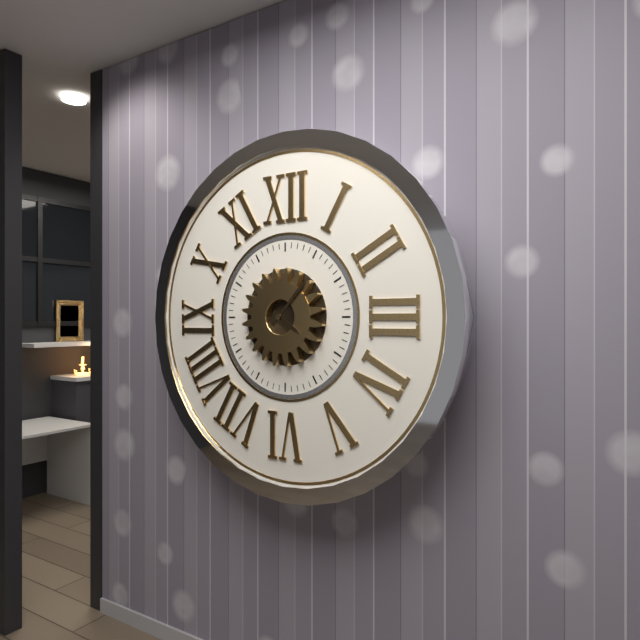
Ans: 4:07
